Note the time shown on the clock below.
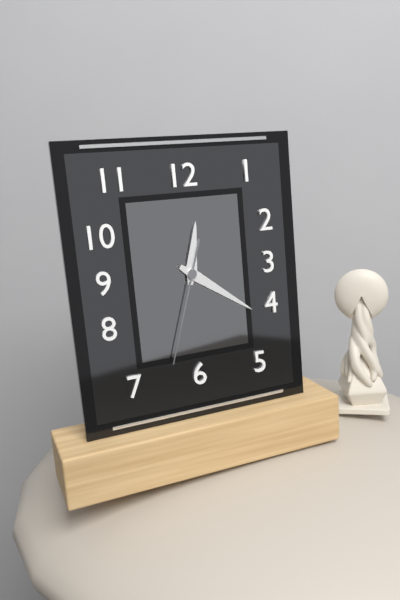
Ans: 12:21:33
